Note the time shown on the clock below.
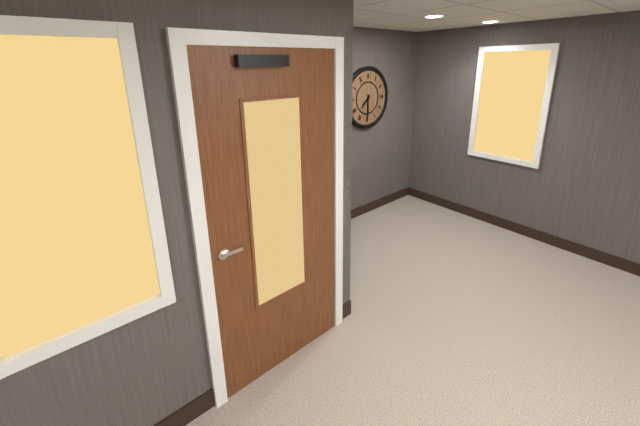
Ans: 7:30
